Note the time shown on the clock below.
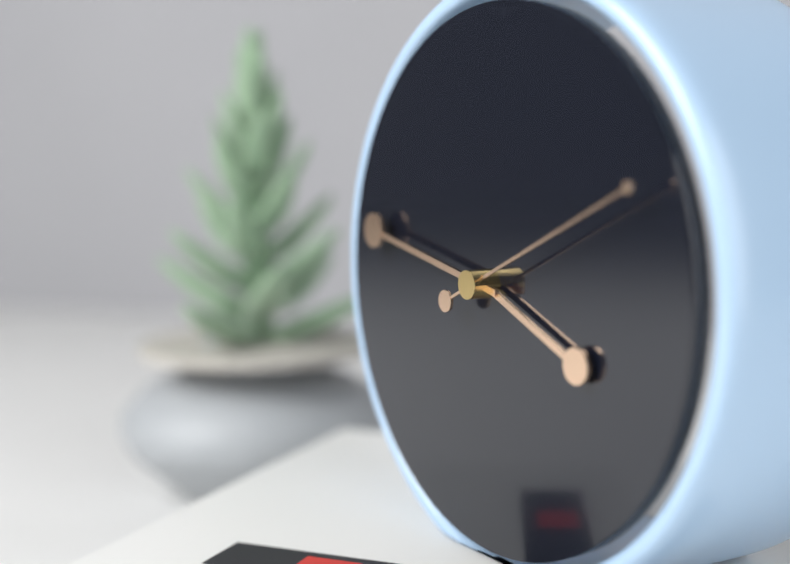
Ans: 3:47:11
